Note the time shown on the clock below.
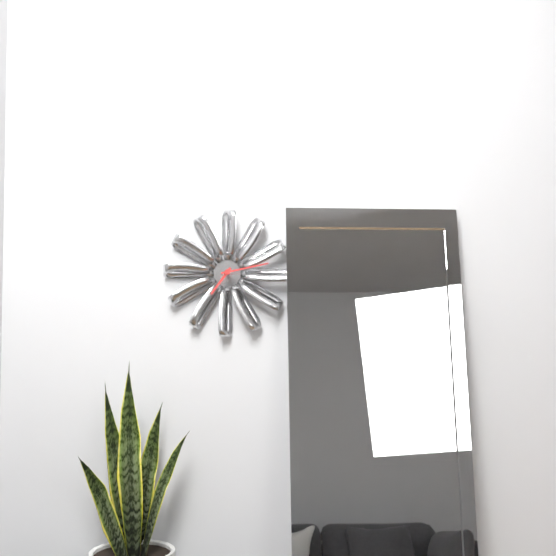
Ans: 7:13
